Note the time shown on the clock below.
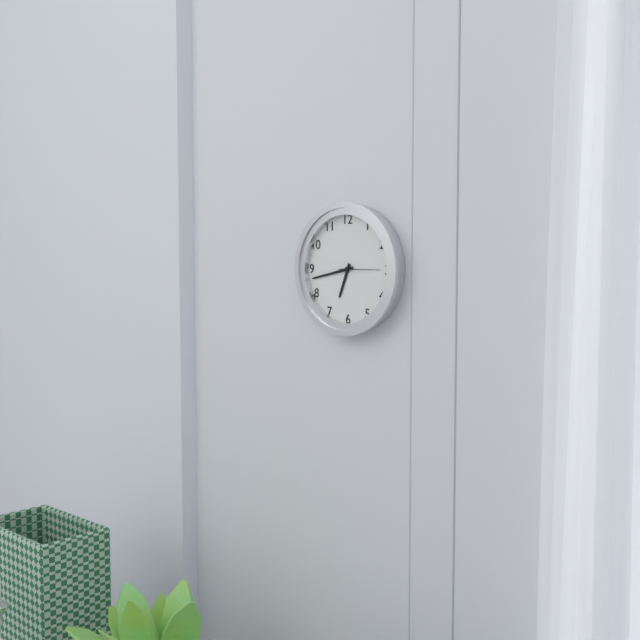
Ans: 6:43
